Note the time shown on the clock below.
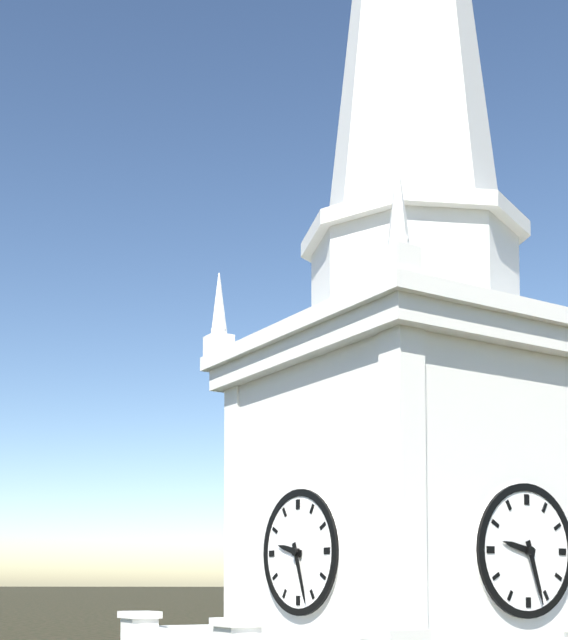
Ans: 9:27
